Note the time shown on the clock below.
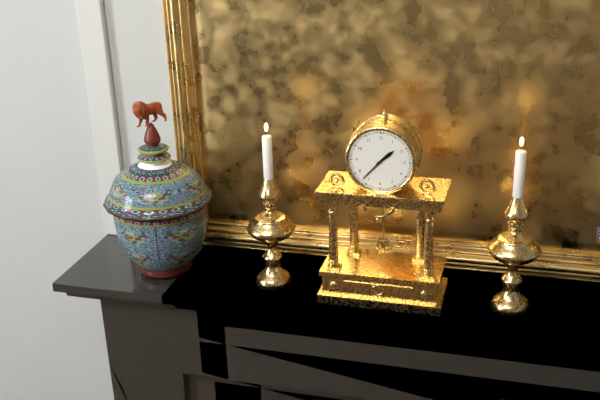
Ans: 1:37
